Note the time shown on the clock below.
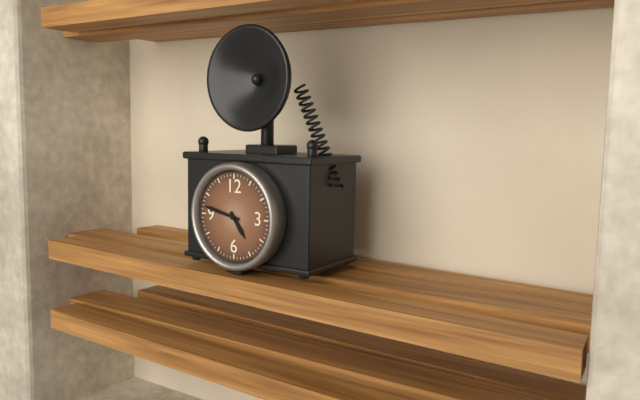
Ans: 4:47
